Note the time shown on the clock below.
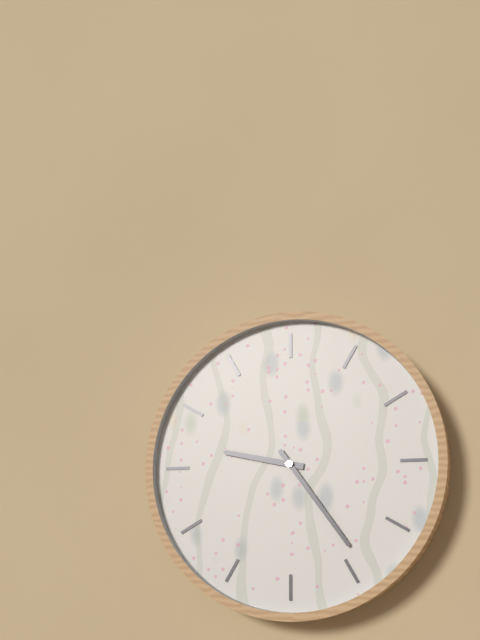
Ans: 9:24
